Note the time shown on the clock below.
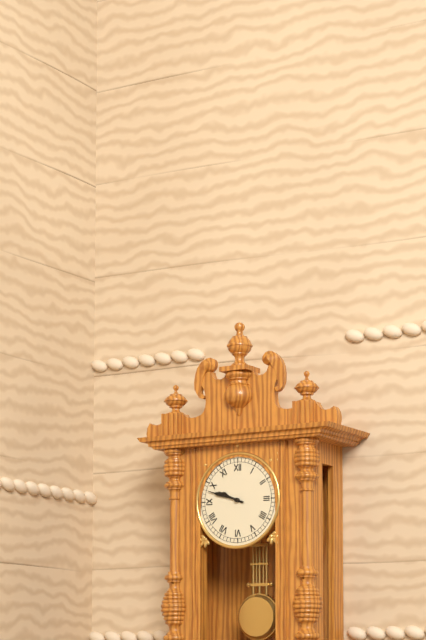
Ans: 9:48
